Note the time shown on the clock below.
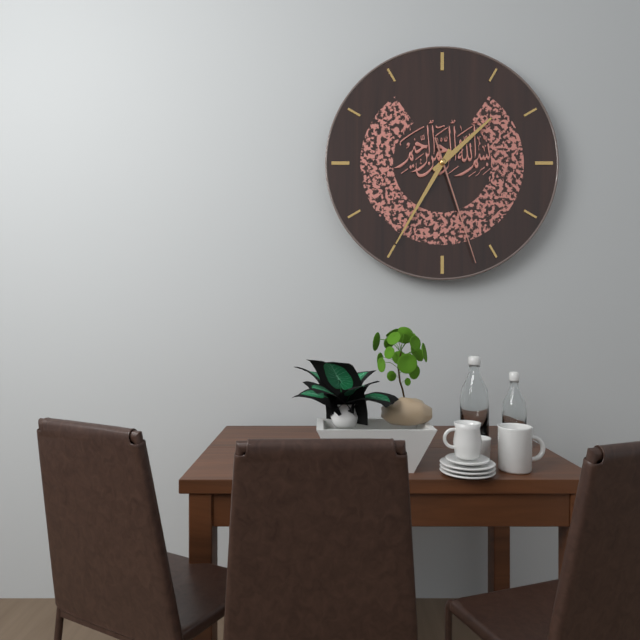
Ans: 1:35:27
